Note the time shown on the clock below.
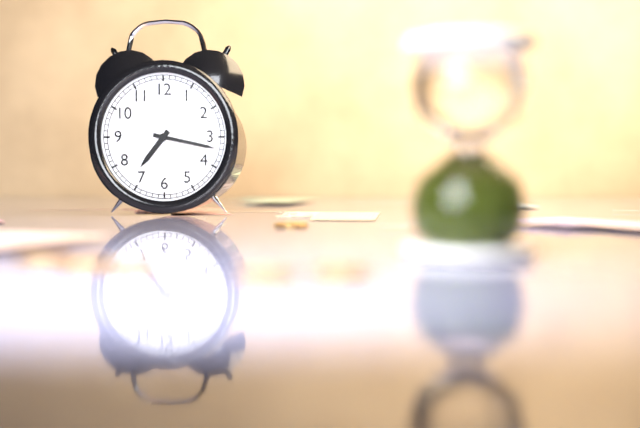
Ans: 7:17
